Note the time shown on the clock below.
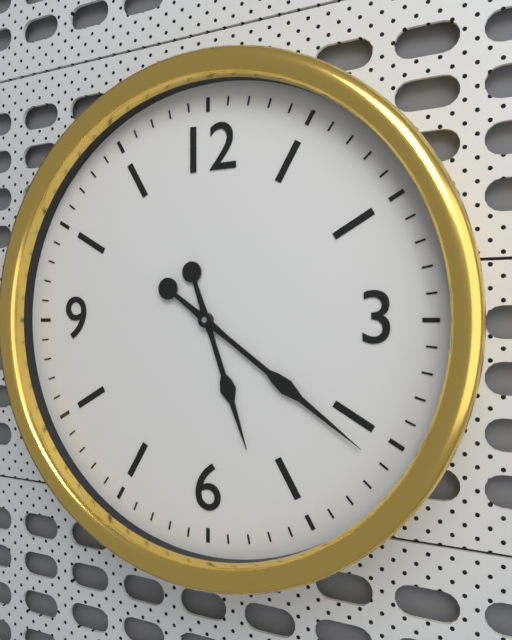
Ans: 5:21
